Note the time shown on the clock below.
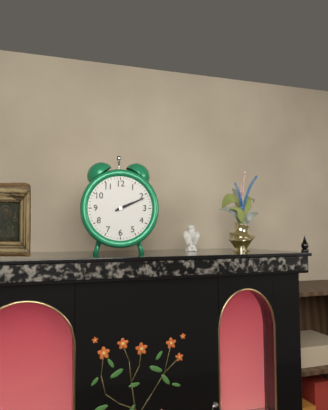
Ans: 2:11
